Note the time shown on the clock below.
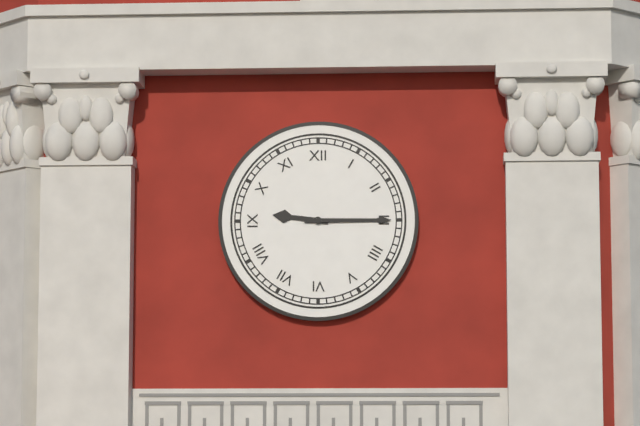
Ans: 9:15
